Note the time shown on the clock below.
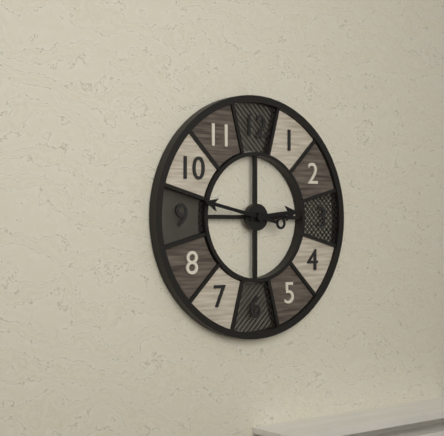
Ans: 2:47
